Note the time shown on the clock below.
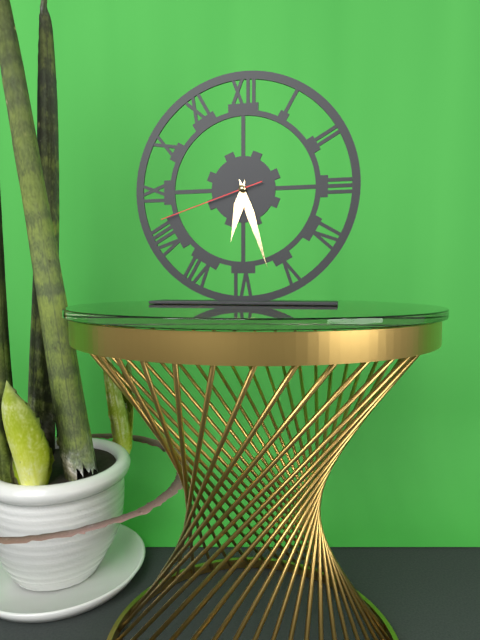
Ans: 6:27:42
